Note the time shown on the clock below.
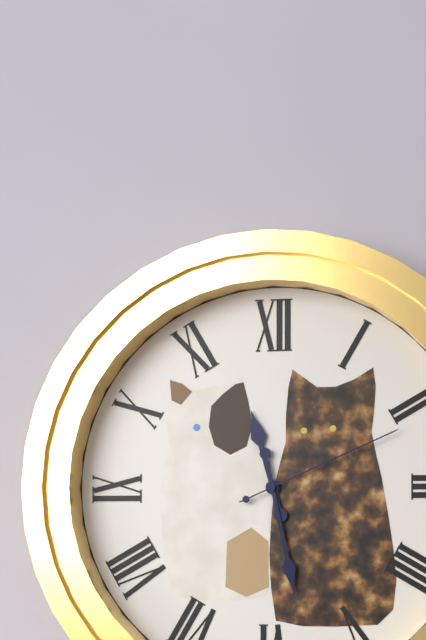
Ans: 11:28:11
